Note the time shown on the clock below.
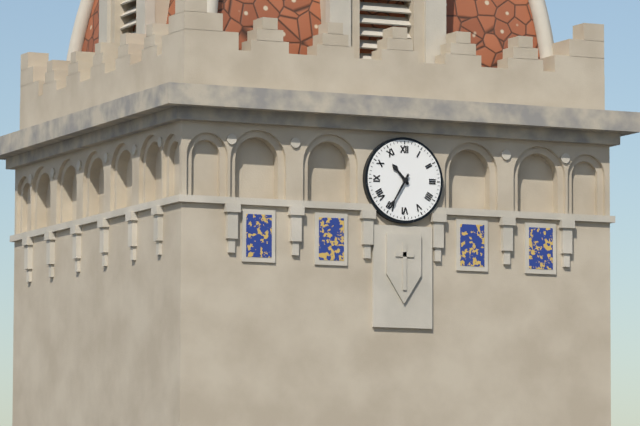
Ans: 10:35
